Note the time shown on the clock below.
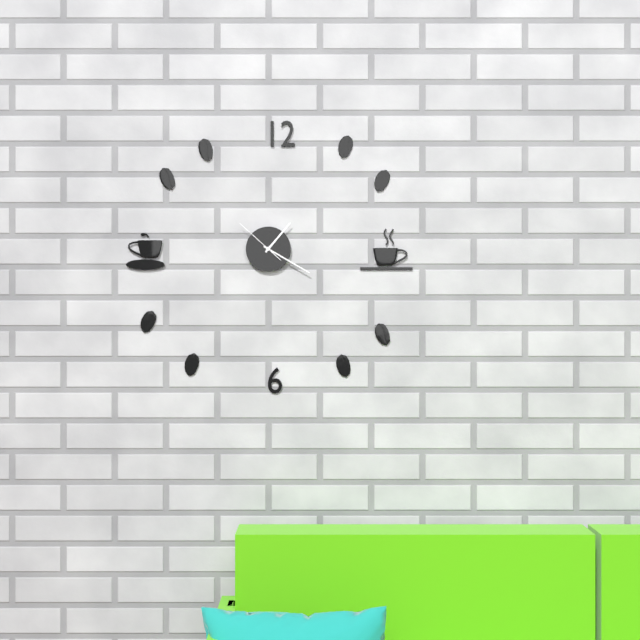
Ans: 1:20
